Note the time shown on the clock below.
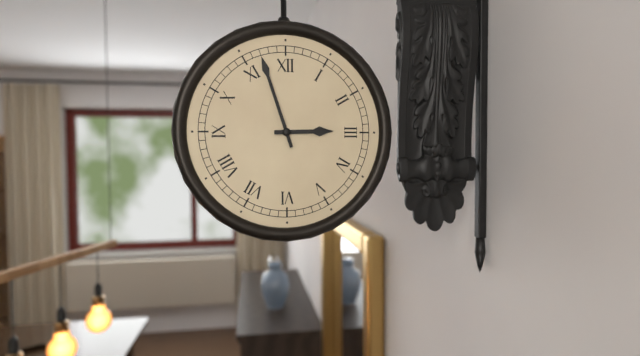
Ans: 2:57
